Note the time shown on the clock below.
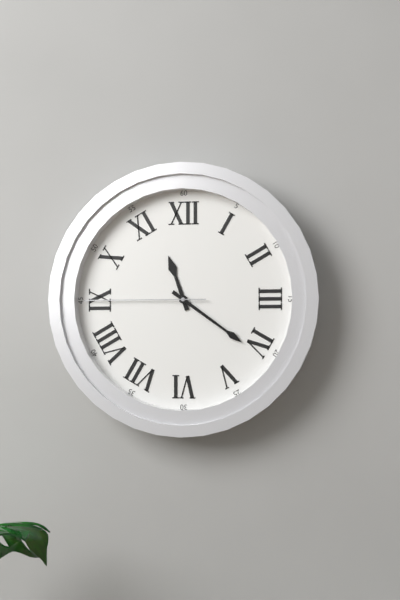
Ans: 11:21:45
